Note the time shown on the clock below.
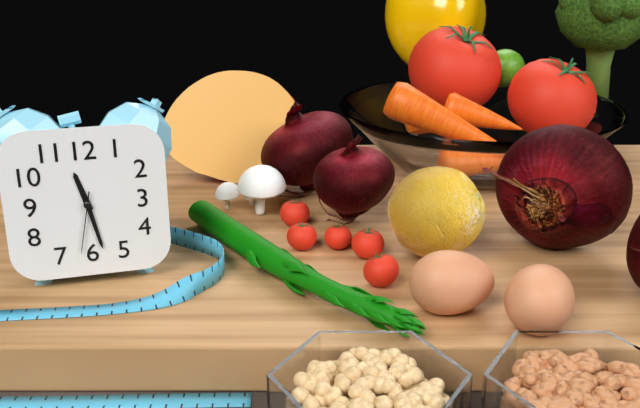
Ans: 11:28:32
